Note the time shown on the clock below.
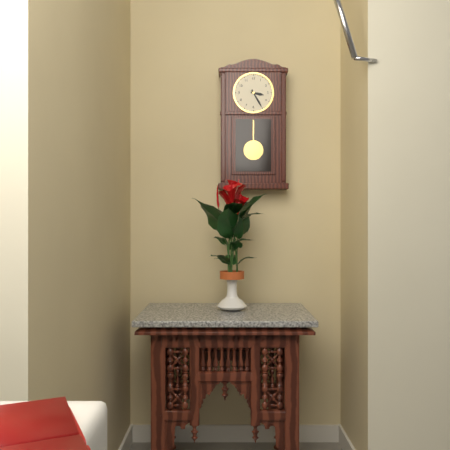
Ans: 3:25
